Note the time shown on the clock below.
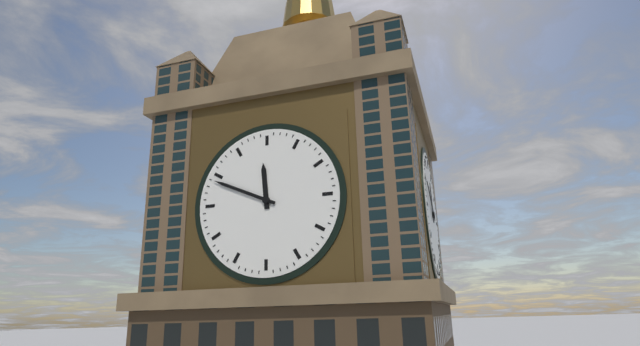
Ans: 11:49
